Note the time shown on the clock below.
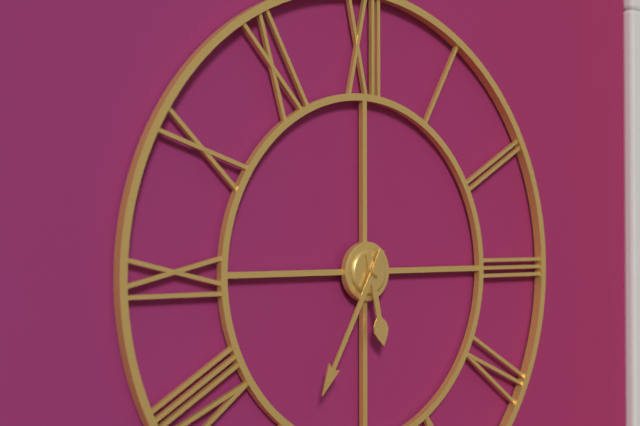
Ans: 5:35
